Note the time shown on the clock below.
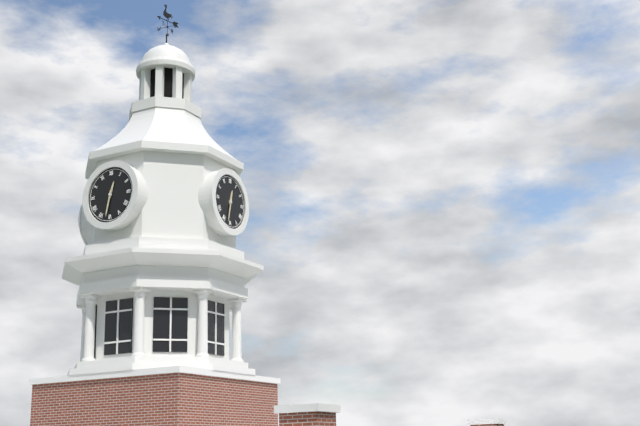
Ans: 12:32
